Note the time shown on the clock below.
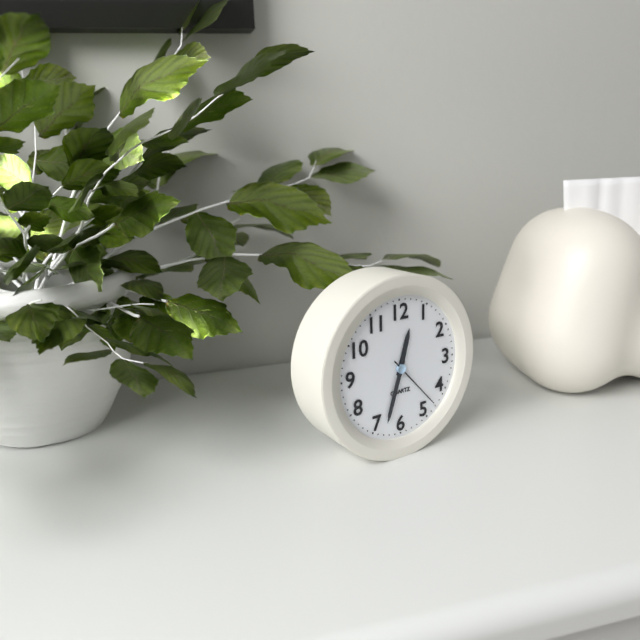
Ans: 12:33:23
